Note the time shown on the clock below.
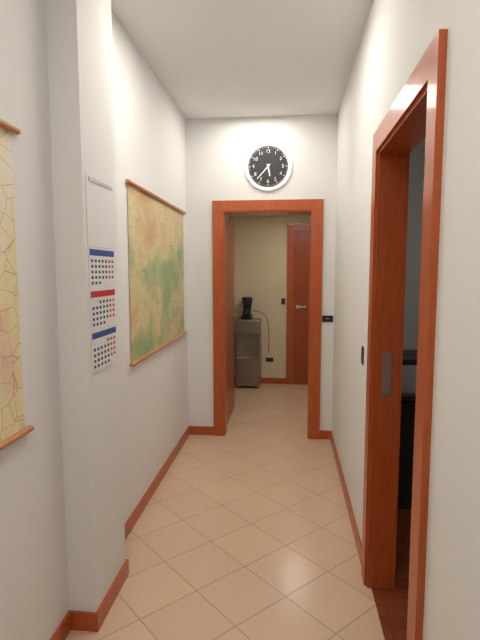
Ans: 5:37
